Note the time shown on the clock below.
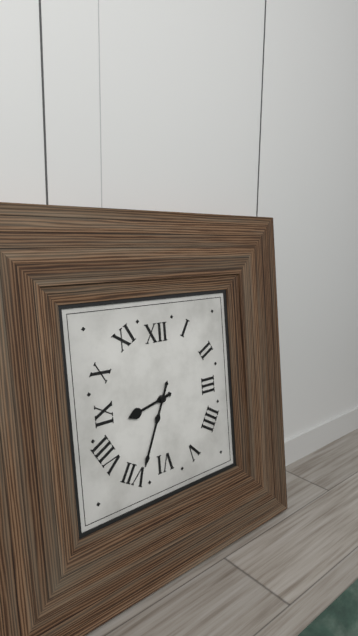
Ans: 8:34
